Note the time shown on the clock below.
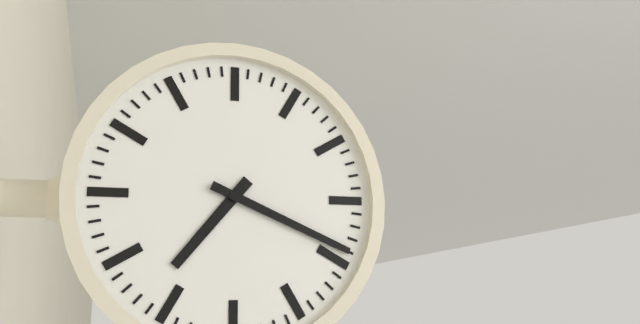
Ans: 7:19
